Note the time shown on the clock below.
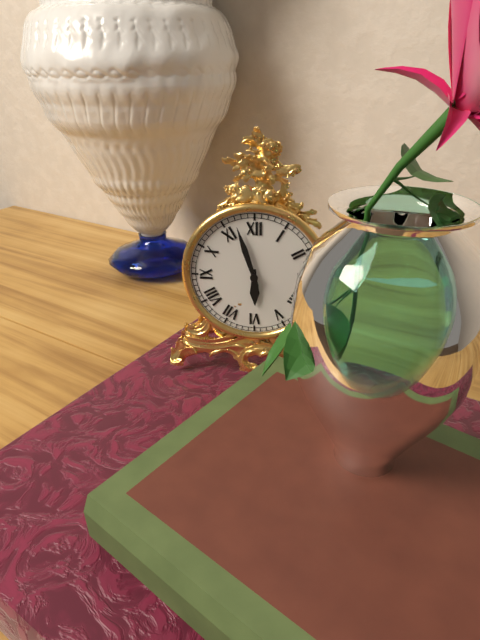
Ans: 5:57
